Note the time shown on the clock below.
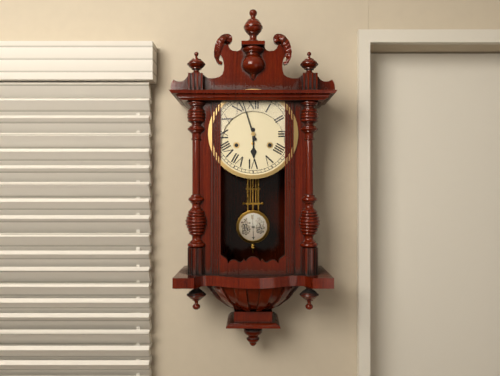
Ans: 5:57
